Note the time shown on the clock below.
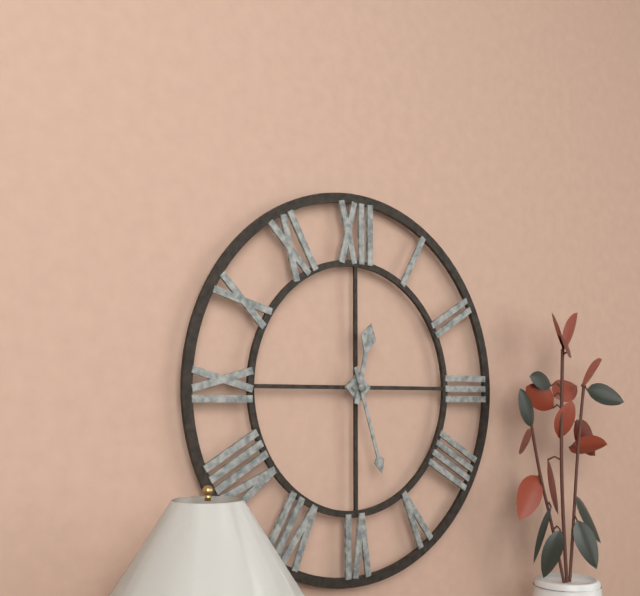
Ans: 12:27
